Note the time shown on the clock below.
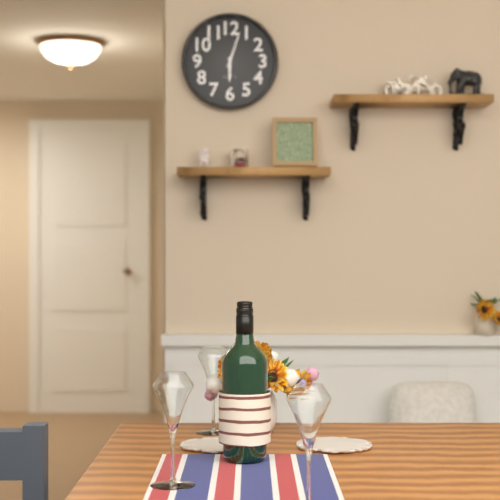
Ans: 6:03
